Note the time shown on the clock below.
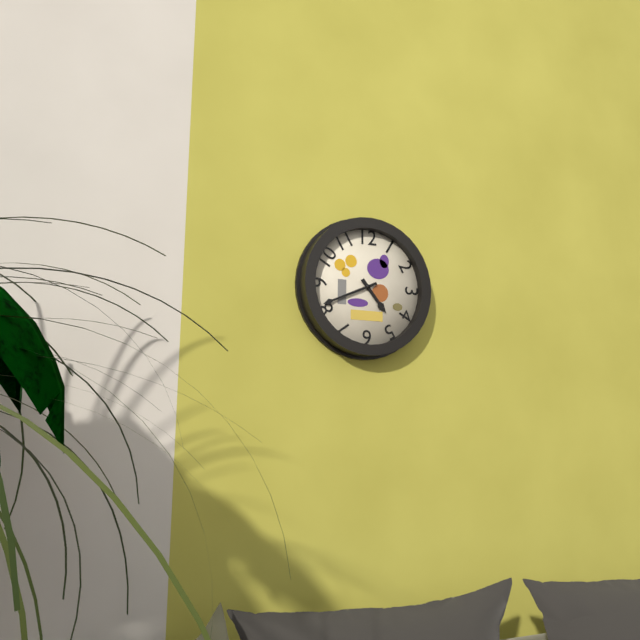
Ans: 4:41
